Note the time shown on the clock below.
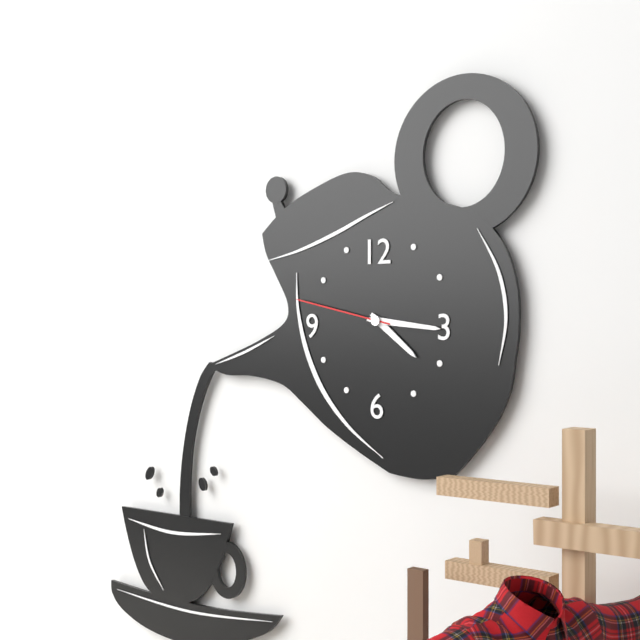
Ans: 4:16:47
